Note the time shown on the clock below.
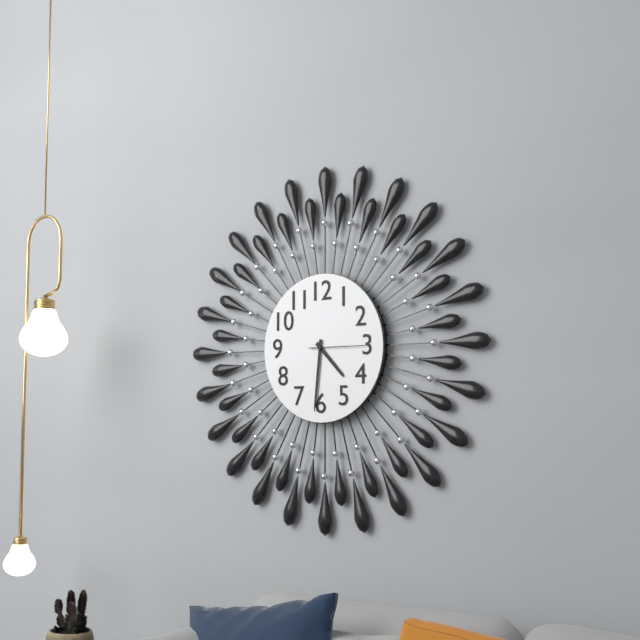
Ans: 4:31
